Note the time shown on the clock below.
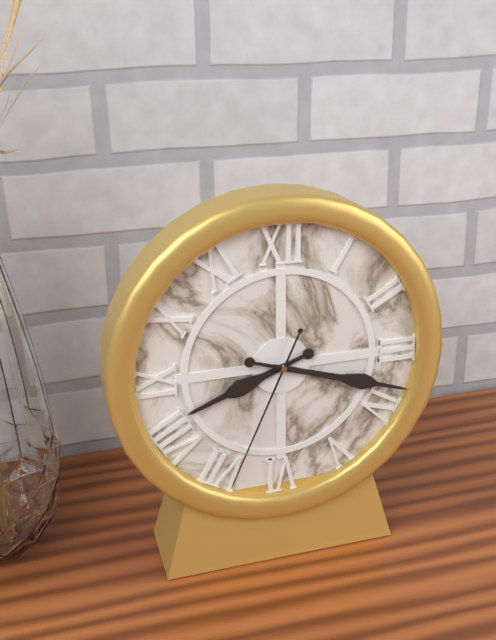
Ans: 8:18:34
